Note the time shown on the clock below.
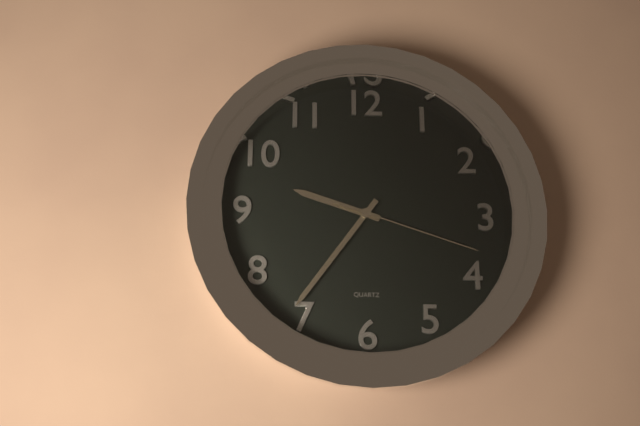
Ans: 9:36:18
